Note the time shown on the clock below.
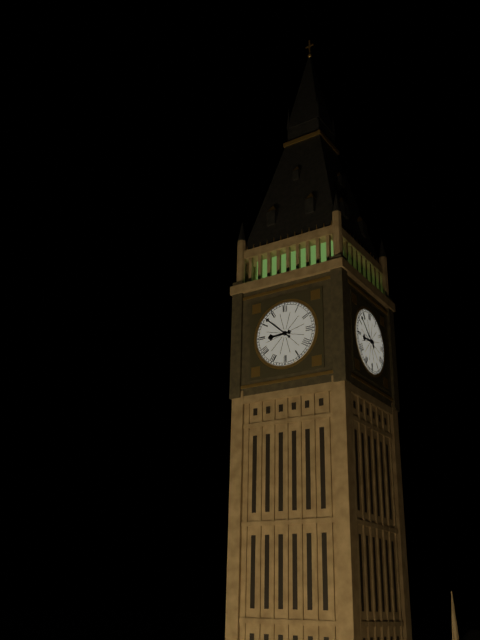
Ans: 8:52
